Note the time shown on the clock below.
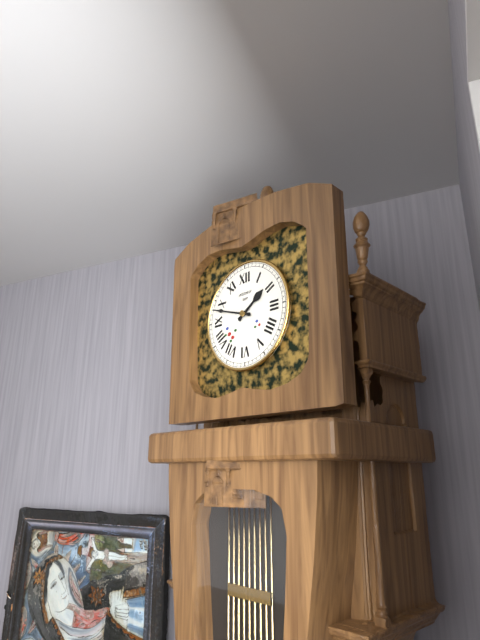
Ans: 1:48
